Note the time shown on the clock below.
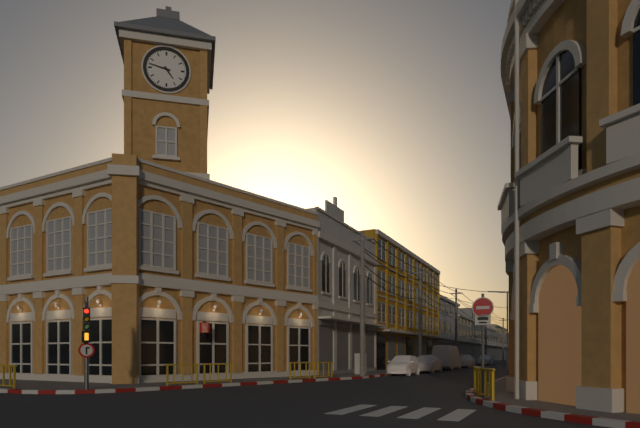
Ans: 4:47
